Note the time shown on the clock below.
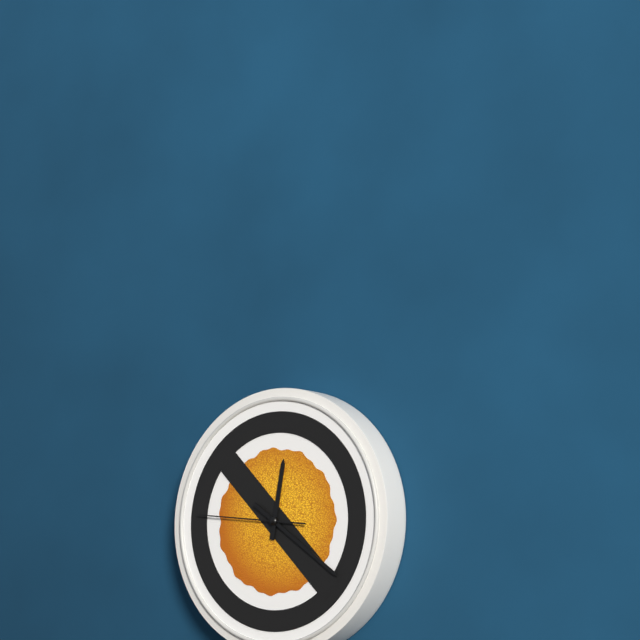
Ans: 12:21:46
